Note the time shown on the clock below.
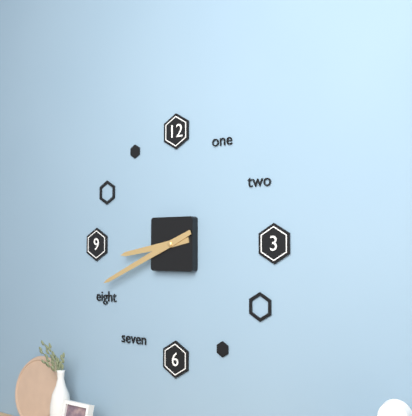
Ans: 8:41
